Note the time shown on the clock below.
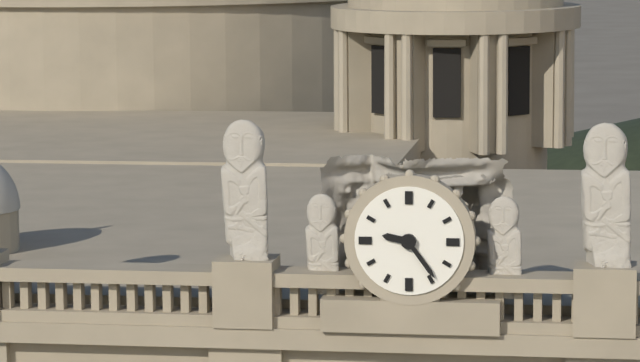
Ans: 9:24
